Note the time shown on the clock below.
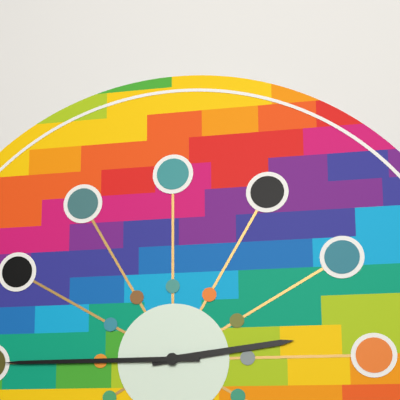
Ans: 2:45
